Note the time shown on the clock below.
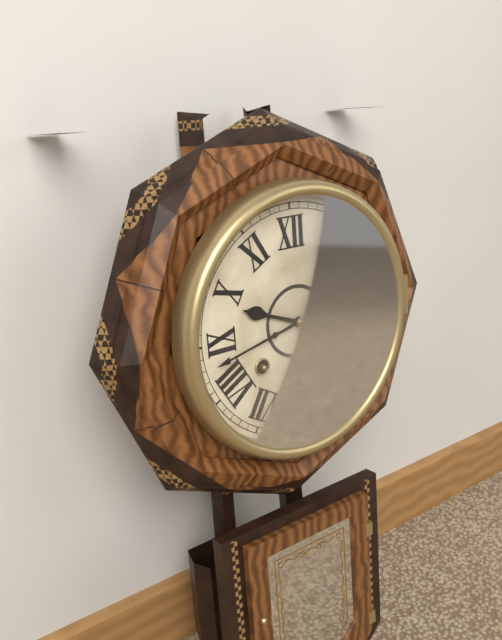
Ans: 9:43
